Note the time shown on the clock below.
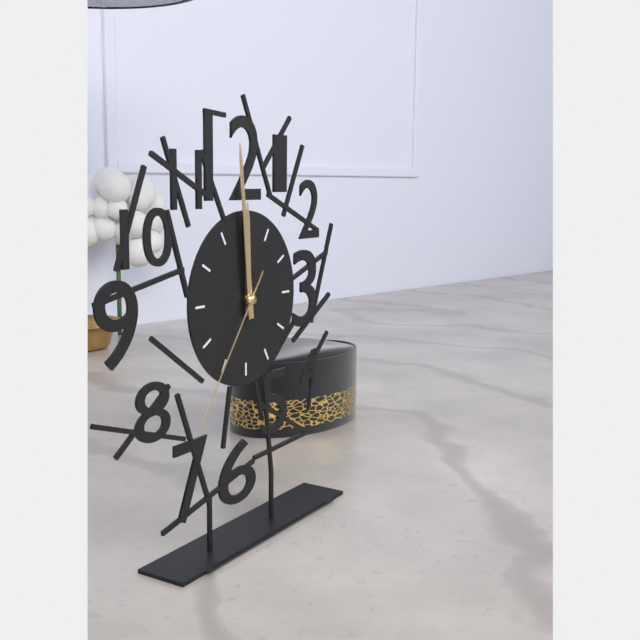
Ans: 11:59:36
